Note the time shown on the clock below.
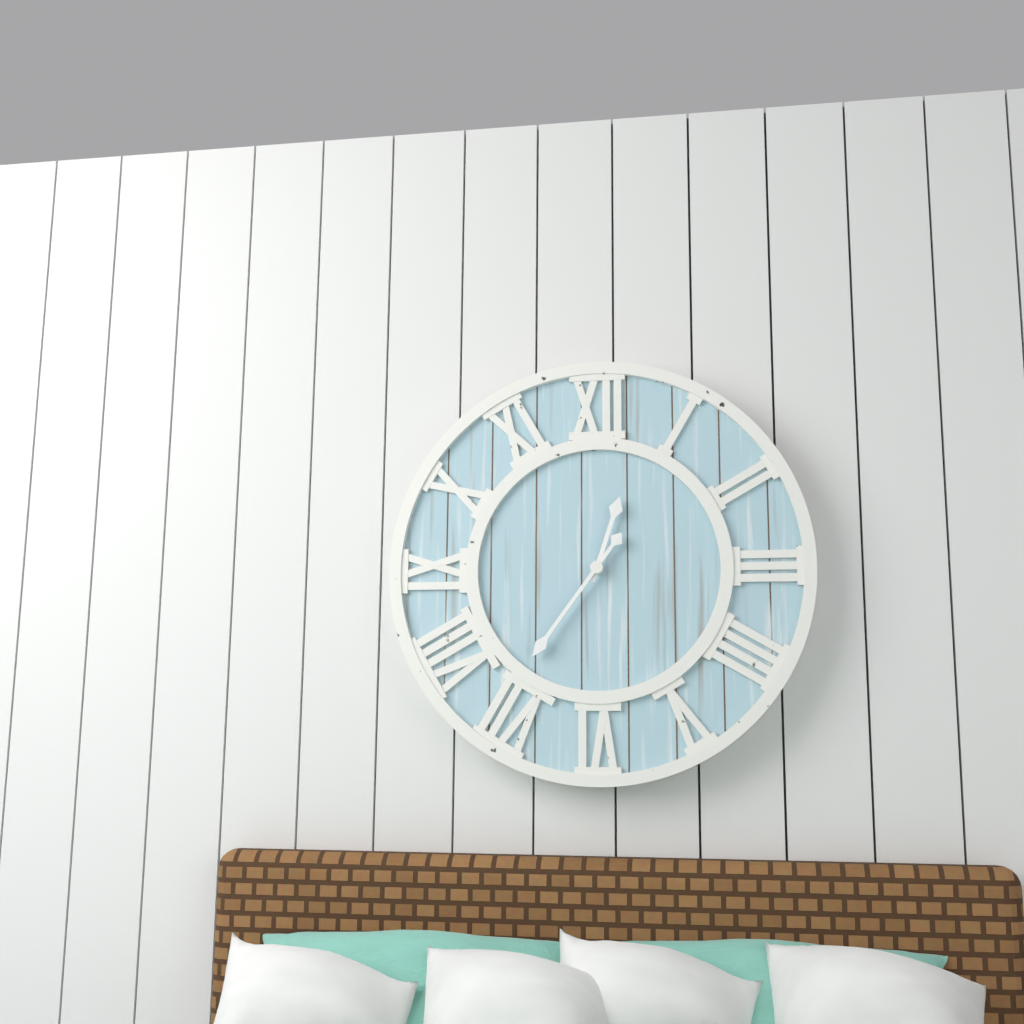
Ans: 12:36
